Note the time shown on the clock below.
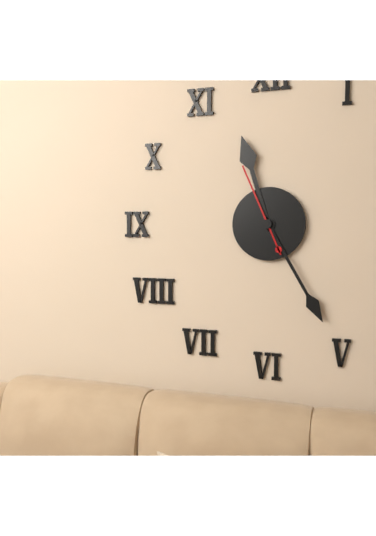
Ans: 11:25:56
